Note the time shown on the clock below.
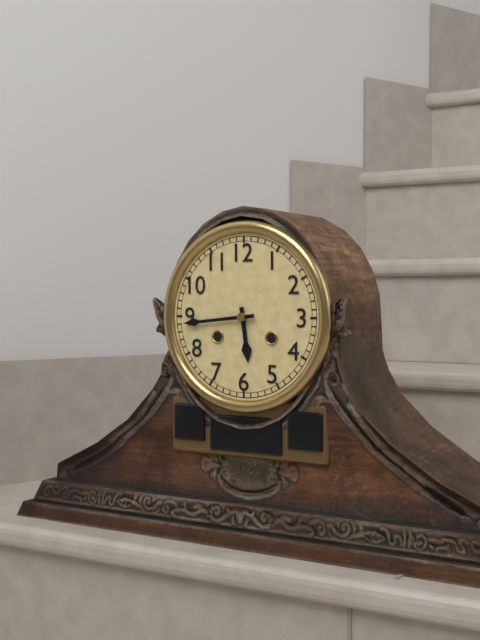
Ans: 5:44
